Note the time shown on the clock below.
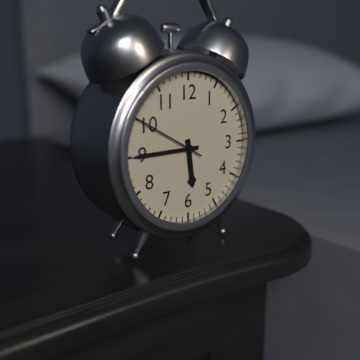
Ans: 5:45:50
